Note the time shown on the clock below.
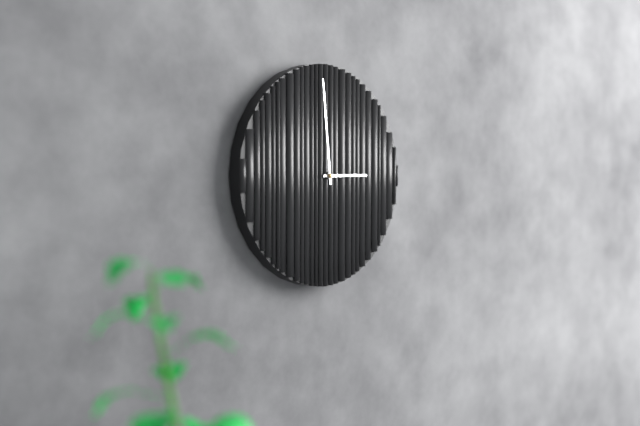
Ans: 2:59
